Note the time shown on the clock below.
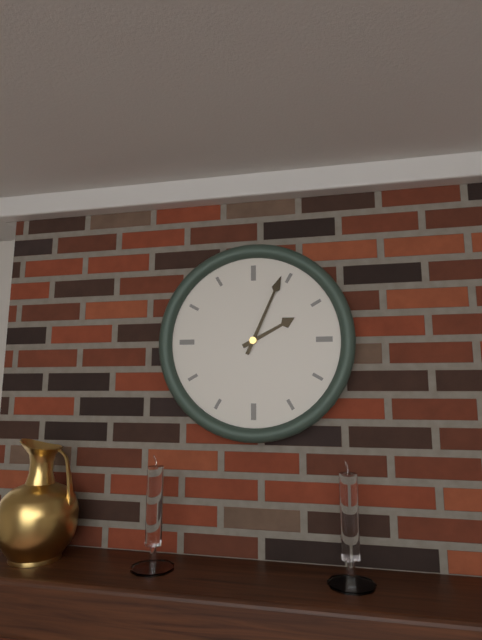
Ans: 2:04
